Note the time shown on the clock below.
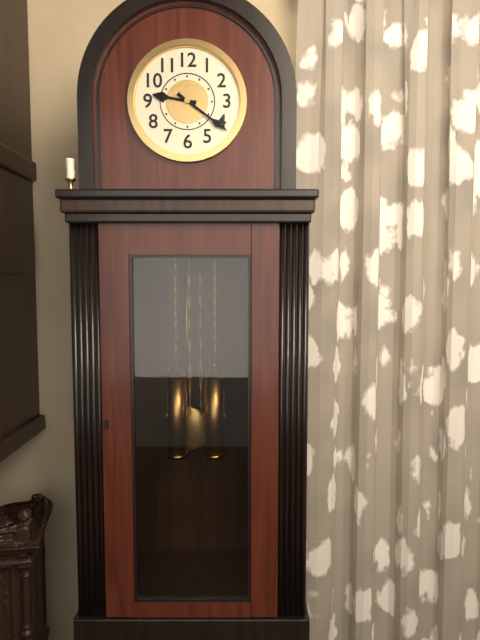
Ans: 9:21
